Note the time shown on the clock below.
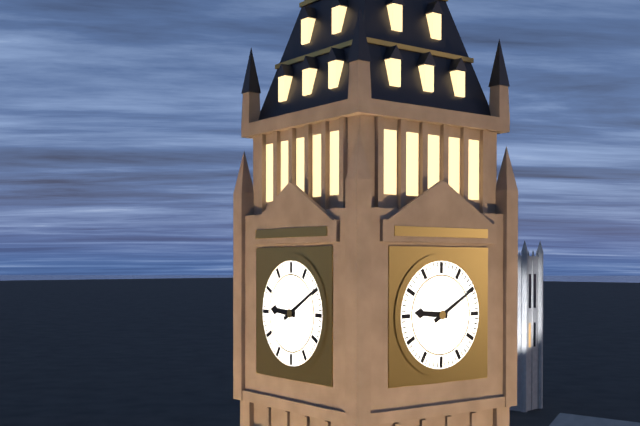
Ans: 9:10
